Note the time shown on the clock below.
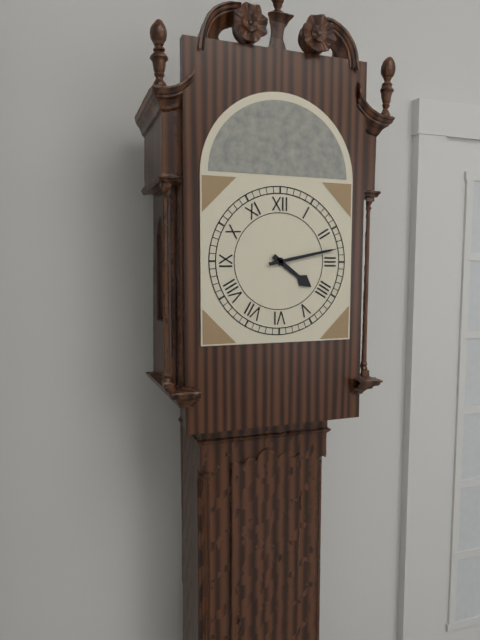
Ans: 4:13
